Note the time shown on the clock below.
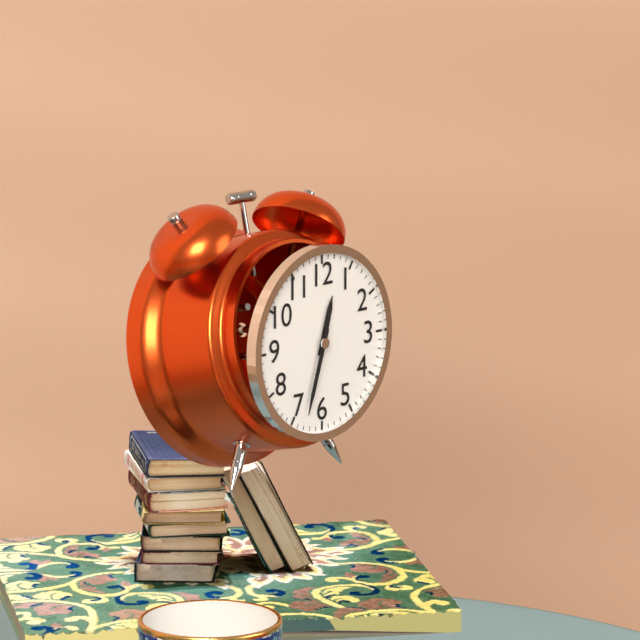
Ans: 12:33
